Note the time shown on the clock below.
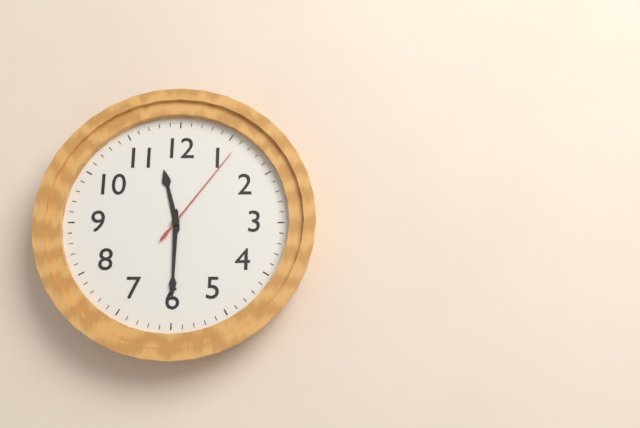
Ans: 11:30:06
